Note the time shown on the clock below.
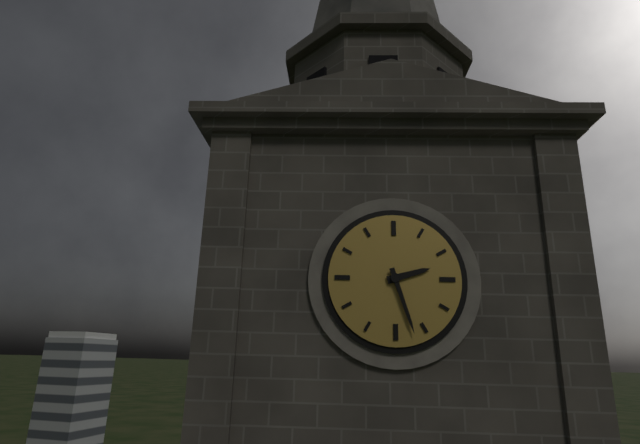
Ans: 2:27
